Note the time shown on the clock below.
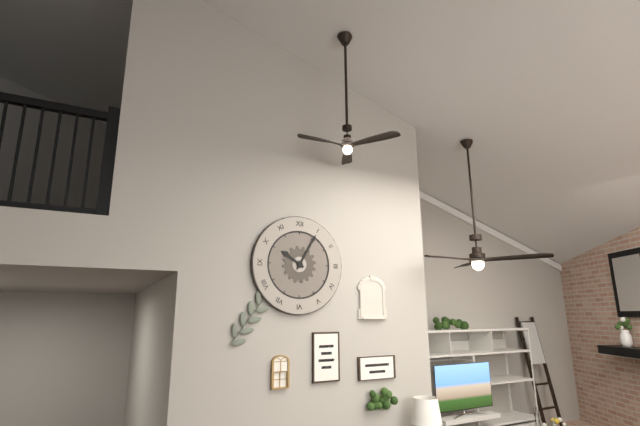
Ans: 10:05
